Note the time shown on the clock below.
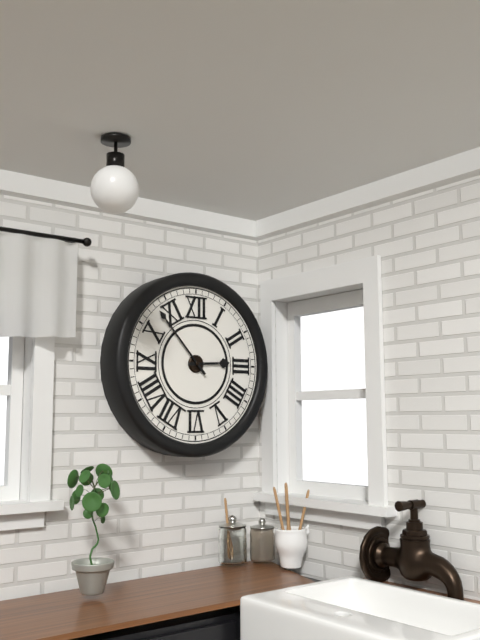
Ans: 2:53
